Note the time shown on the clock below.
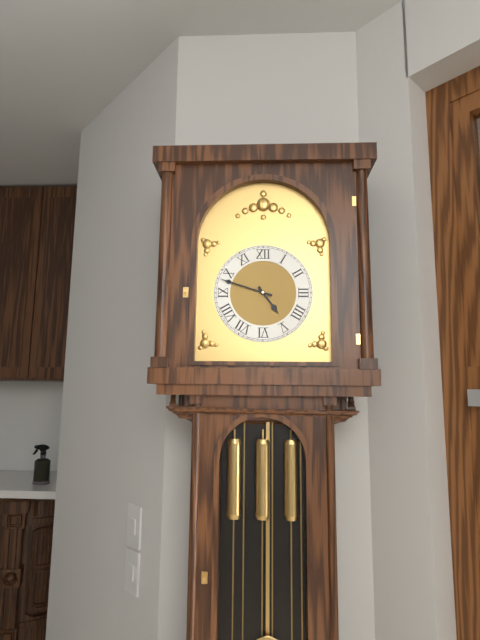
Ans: 4:48
